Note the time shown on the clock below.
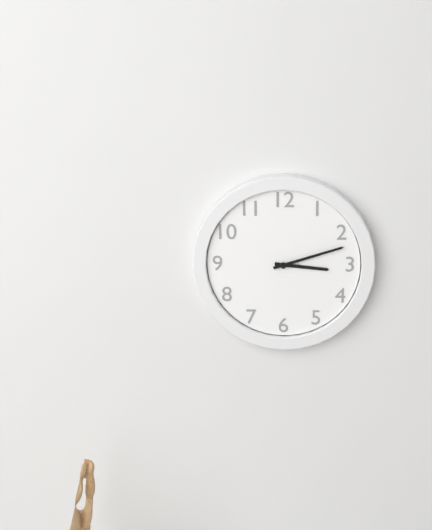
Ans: 3:12
